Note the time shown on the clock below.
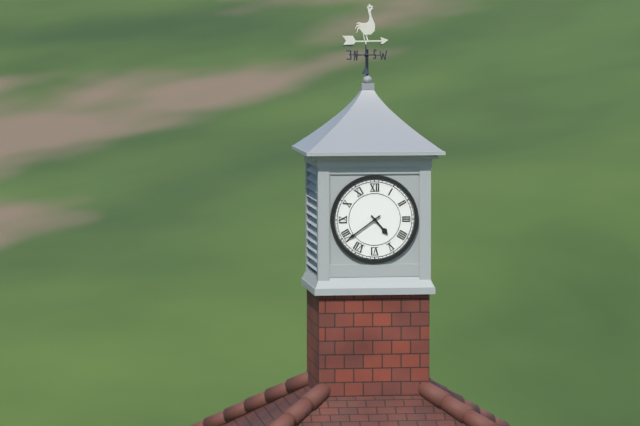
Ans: 4:39
